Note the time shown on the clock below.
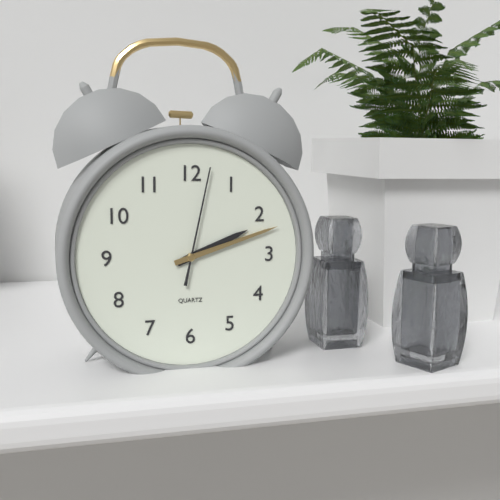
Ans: 2:12:02
